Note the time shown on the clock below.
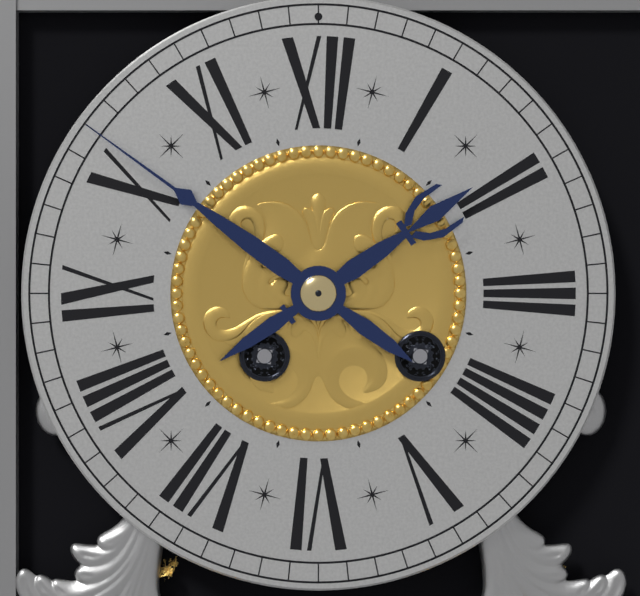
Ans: 1:51
